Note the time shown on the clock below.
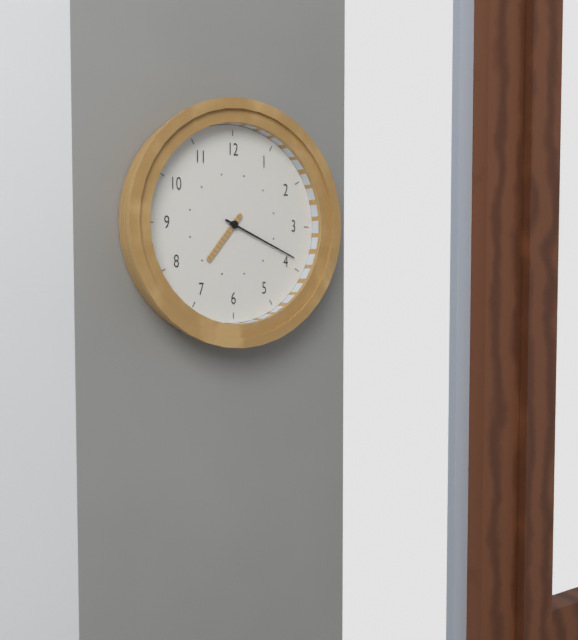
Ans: 7:19
